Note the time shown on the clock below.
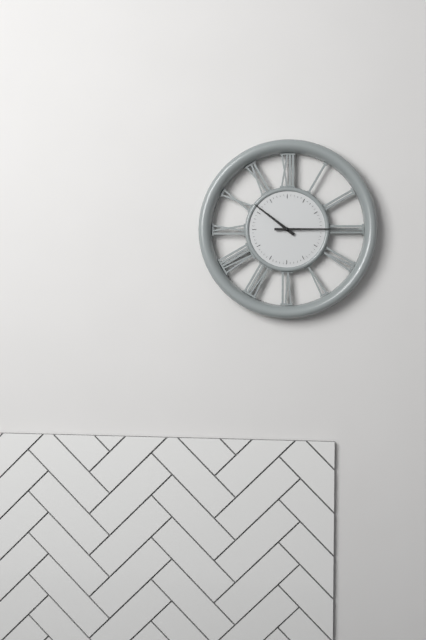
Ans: 10:15
